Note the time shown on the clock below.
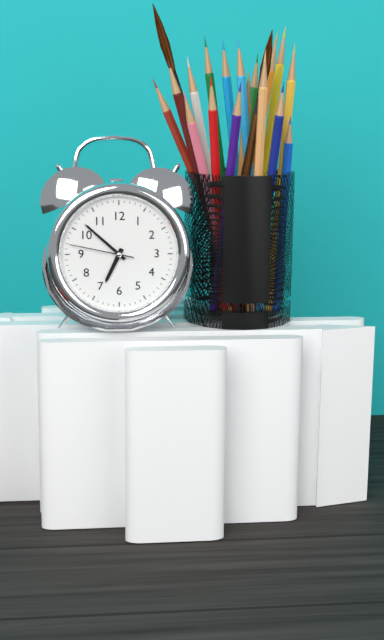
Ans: 6:52:47
